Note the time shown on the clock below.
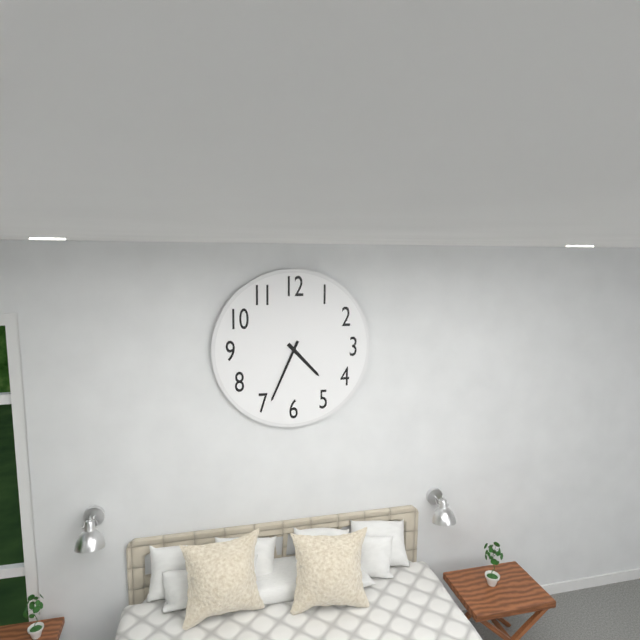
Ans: 4:34
